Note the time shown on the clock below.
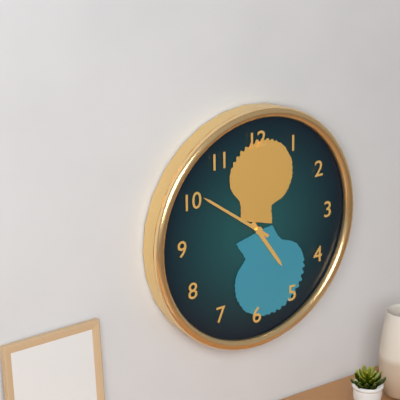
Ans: 4:51
